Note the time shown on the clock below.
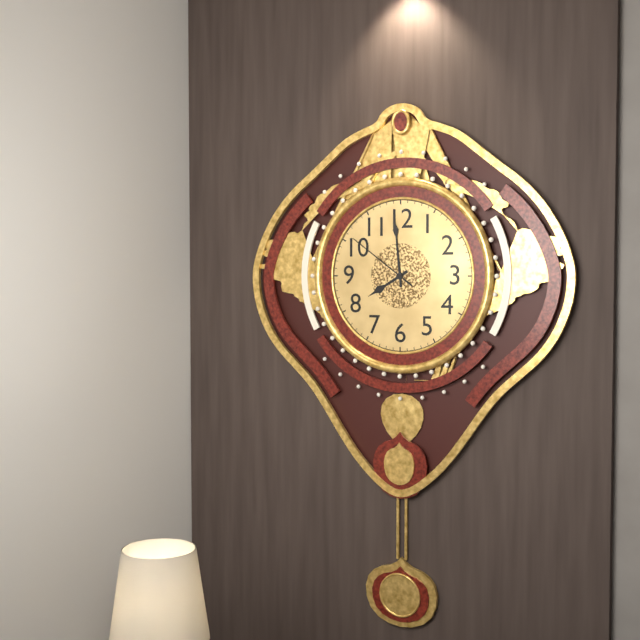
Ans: 7:59:51
